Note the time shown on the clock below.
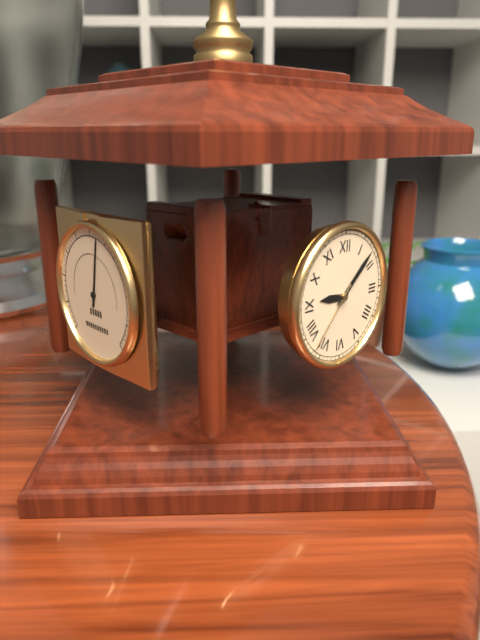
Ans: 9:08:37
